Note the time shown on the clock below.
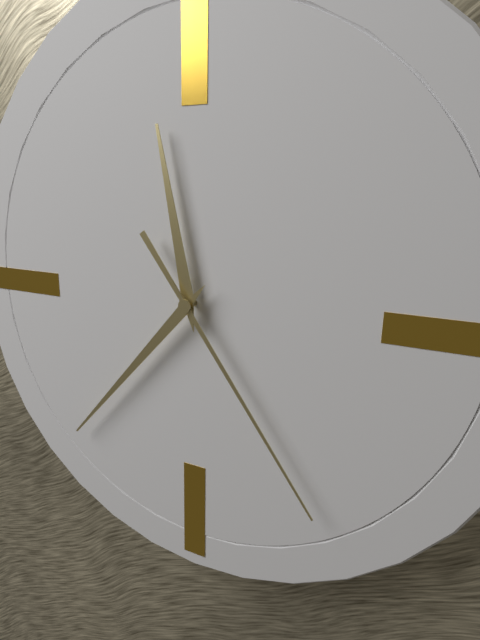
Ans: 11:37:24
